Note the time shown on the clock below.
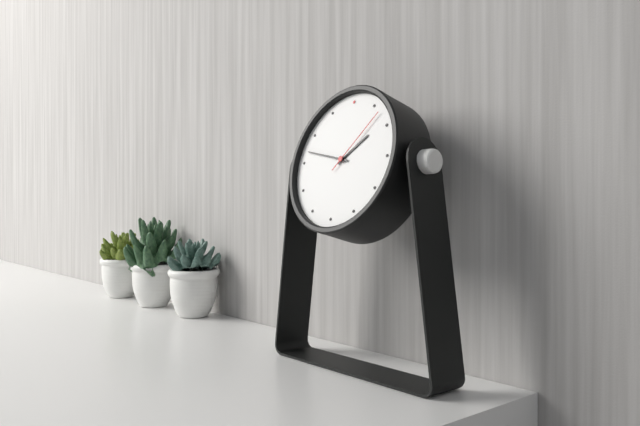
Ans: 1:47:07
